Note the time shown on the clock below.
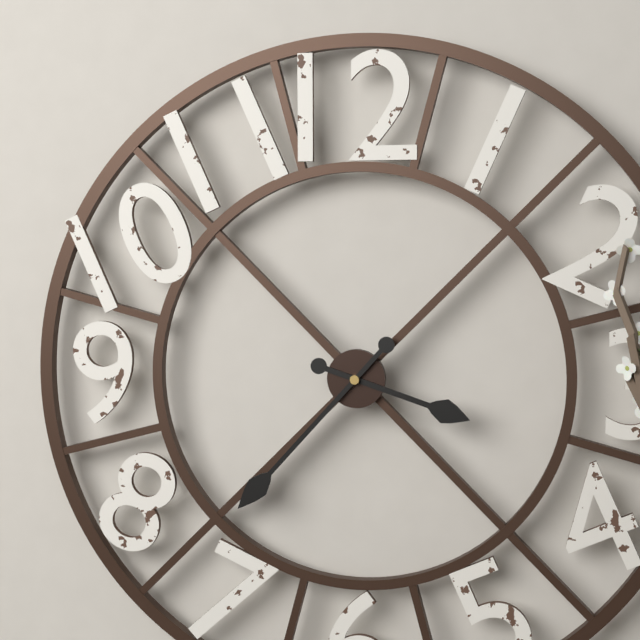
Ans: 3:37
